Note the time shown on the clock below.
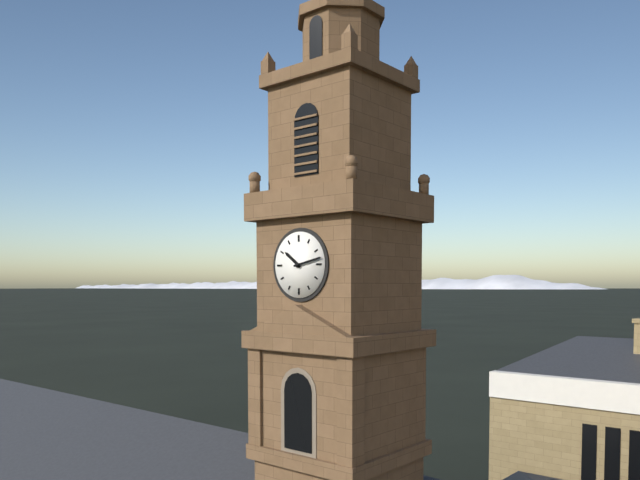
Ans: 10:13
